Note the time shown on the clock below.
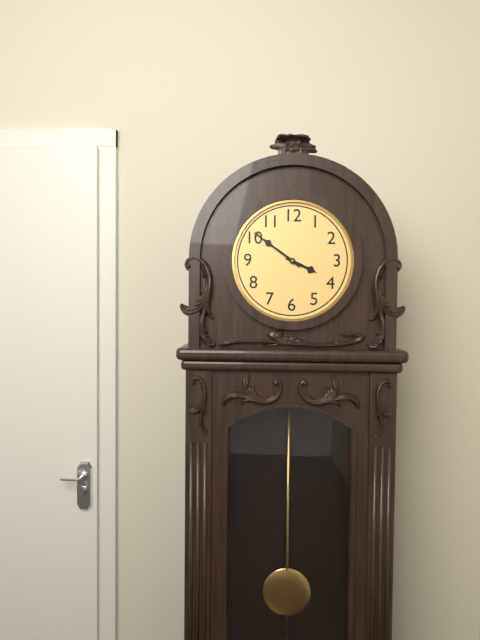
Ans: 3:51
